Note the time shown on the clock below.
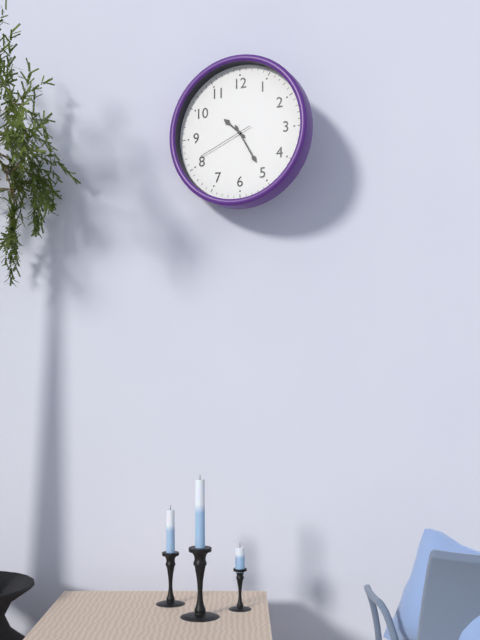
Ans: 10:25:41
